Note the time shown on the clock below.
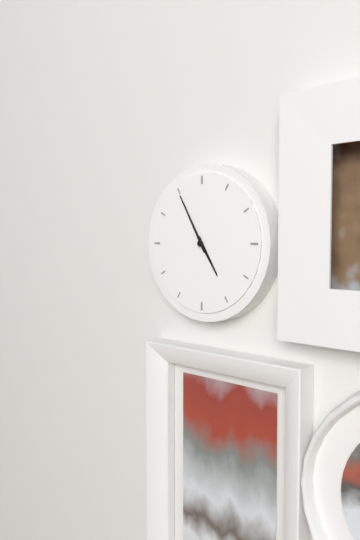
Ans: 4:55
